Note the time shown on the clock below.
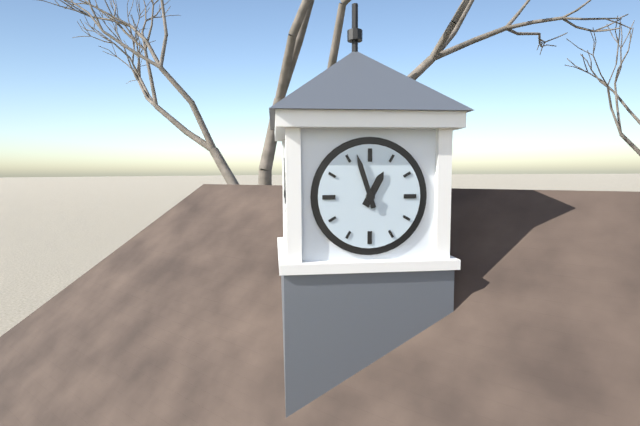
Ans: 12:57
